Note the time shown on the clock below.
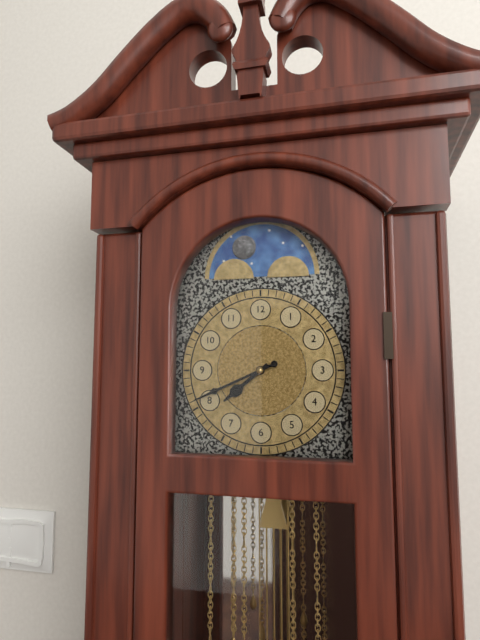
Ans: 7:41
